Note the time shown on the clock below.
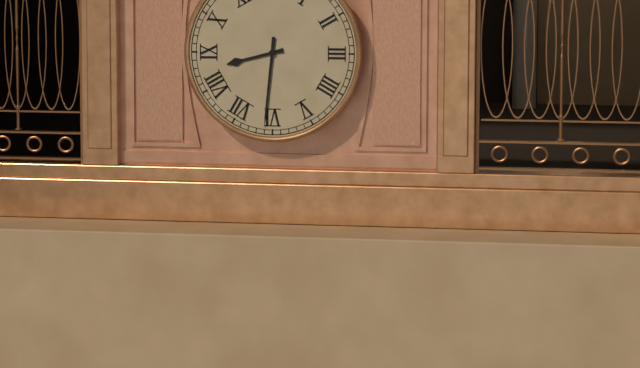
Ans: 8:31
